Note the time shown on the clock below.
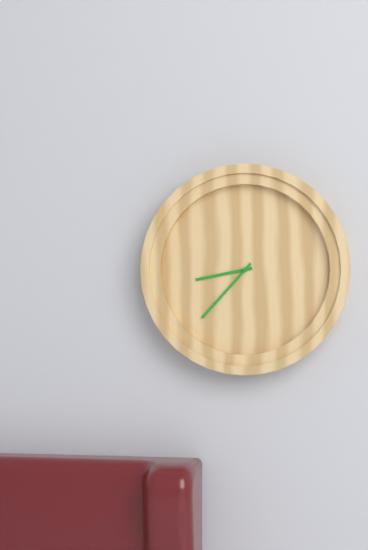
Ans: 8:37
